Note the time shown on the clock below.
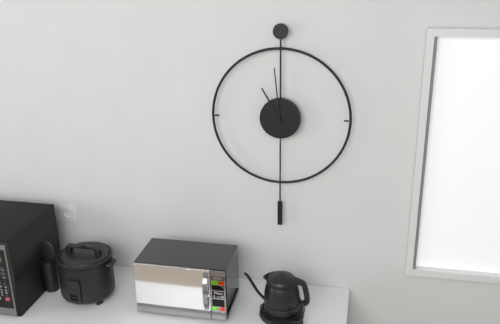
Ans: 10:59
